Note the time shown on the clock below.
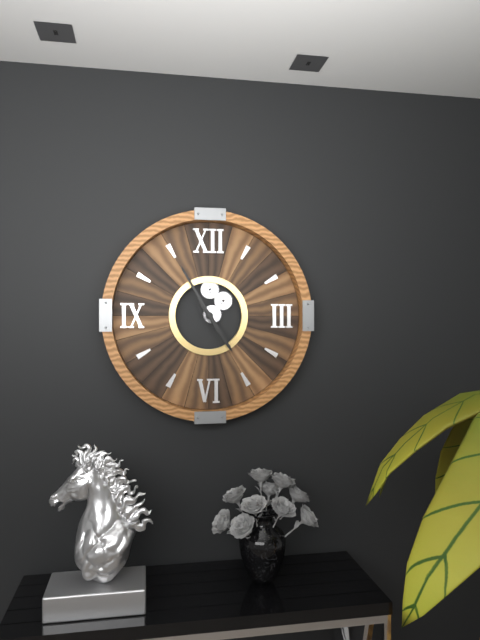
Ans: 4:55
